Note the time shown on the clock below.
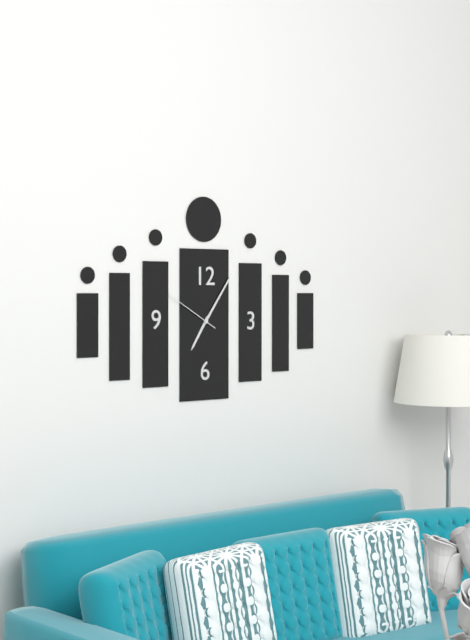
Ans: 7:06:50
